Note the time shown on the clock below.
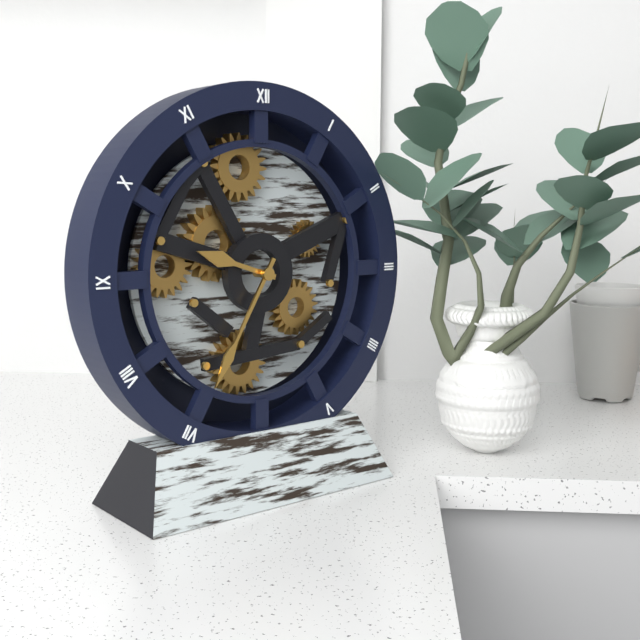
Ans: 9:35
